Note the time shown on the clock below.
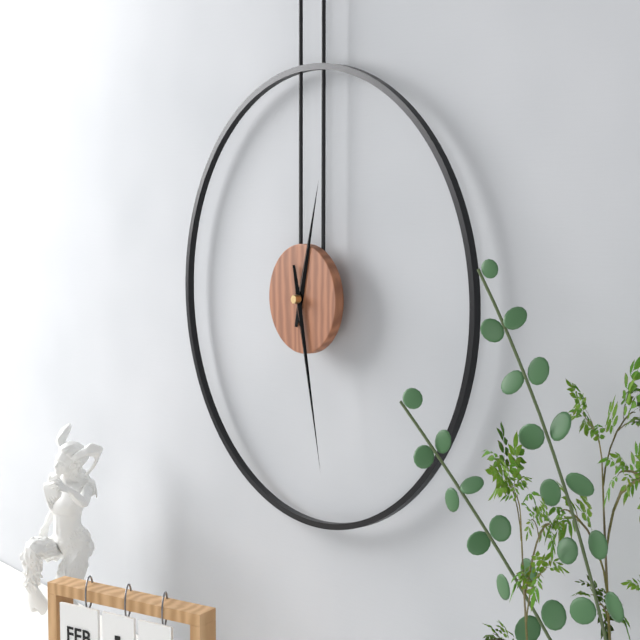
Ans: 12:28
